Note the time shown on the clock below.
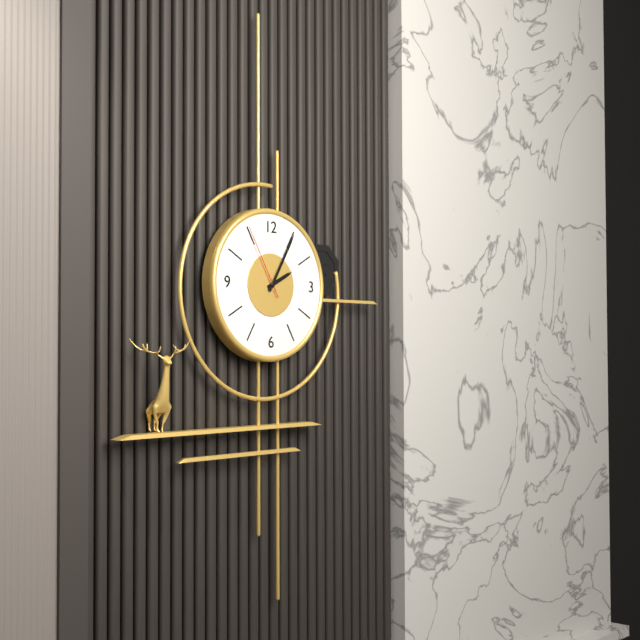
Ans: 2:05:55
